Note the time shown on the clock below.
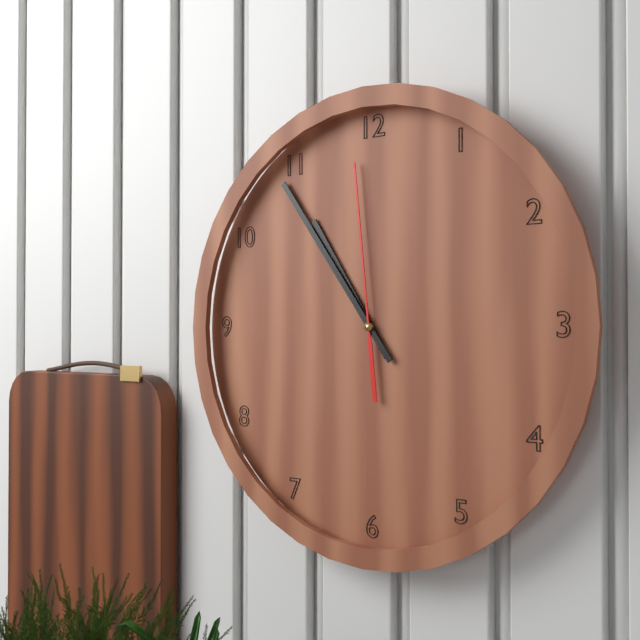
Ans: 10:54:59
